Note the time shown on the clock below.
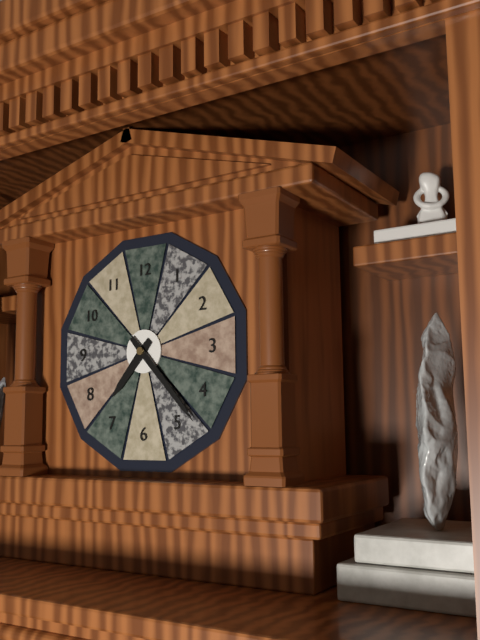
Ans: 7:23
